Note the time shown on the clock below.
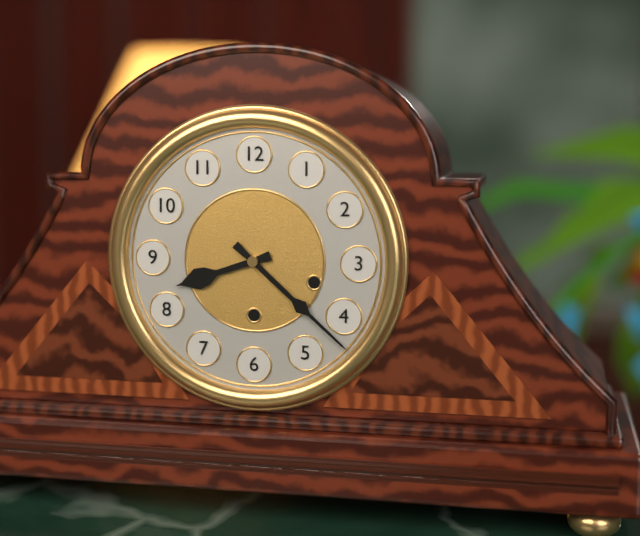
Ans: 8:22
